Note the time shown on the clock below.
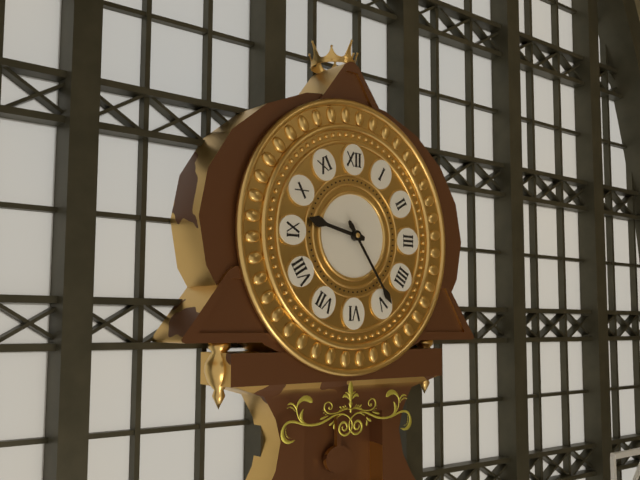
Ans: 9:24
